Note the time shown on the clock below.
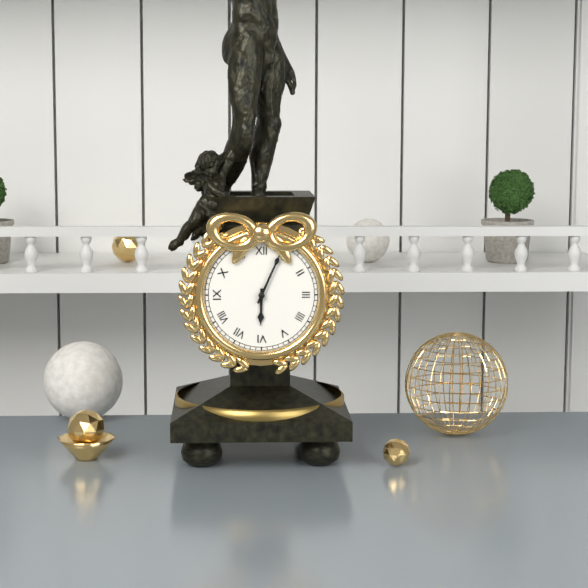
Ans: 6:04
